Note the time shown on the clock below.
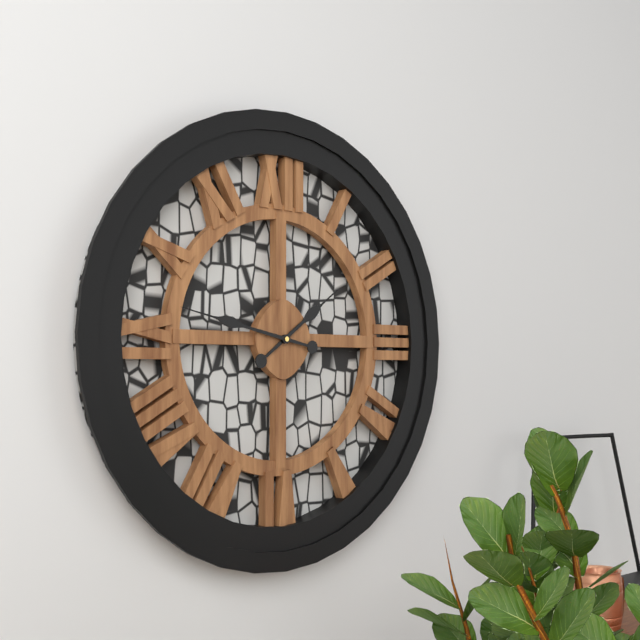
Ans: 1:47
